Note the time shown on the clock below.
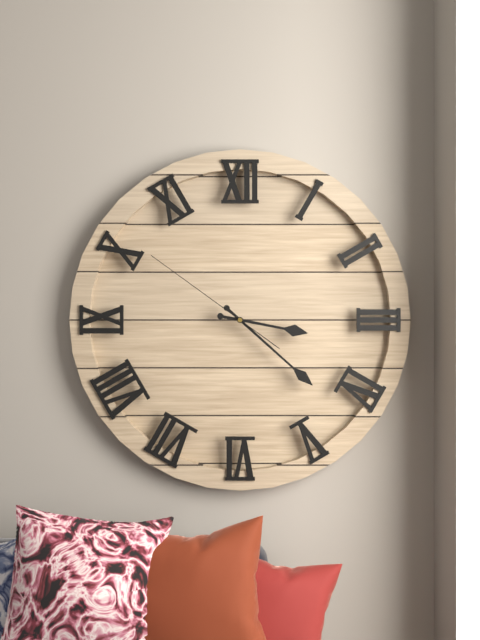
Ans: 3:22:51
